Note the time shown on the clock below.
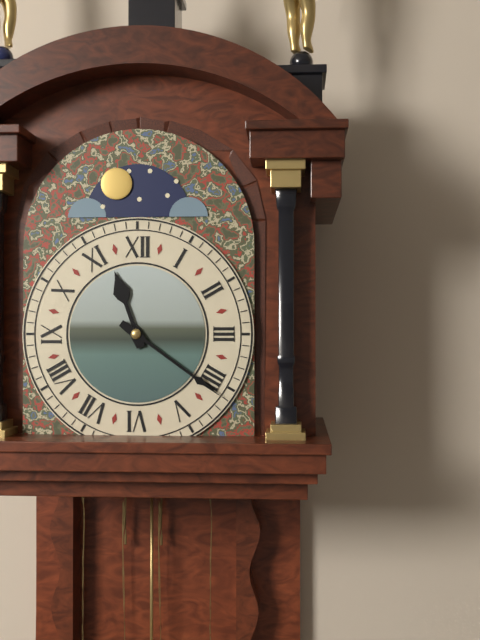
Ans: 11:21
